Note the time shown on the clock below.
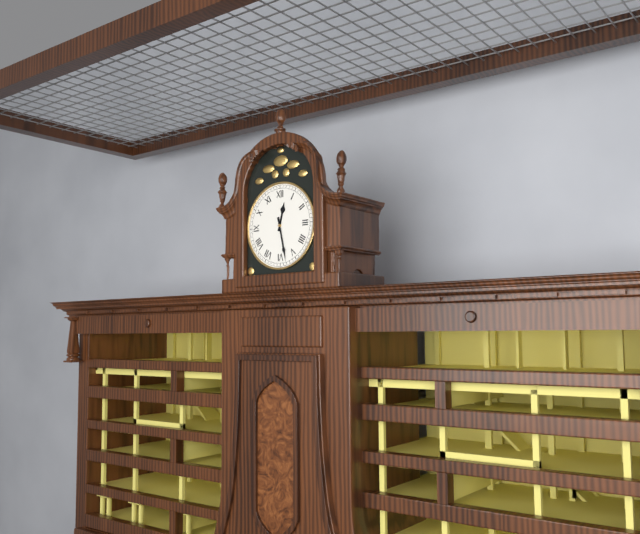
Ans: 12:28
